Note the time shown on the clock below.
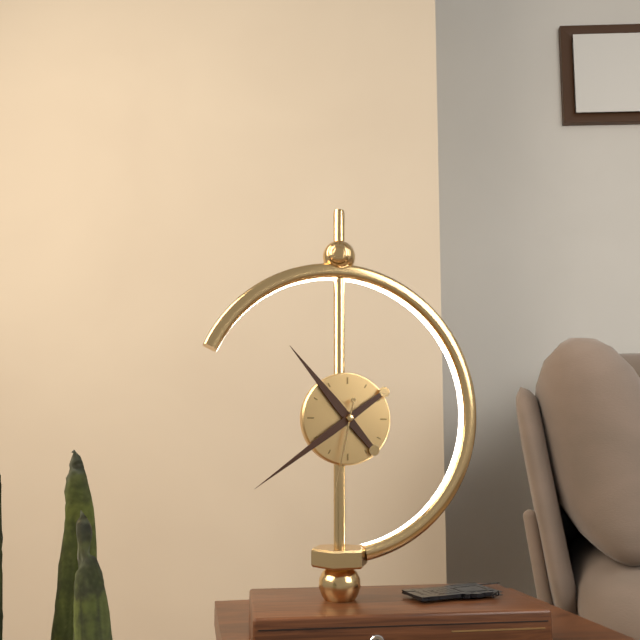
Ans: 10:39:32
